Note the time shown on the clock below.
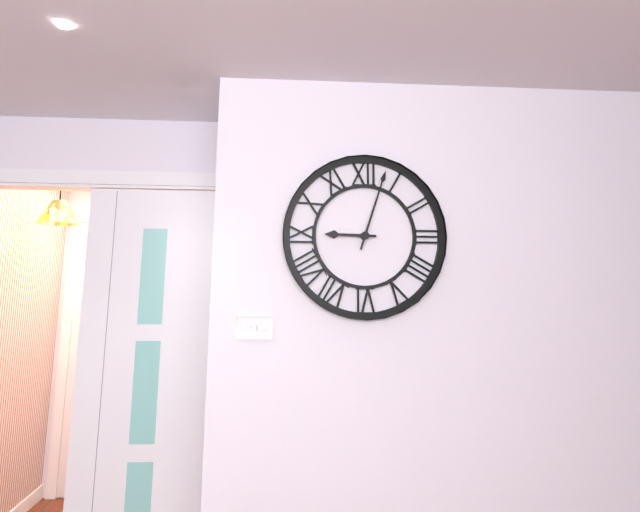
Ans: 9:03
